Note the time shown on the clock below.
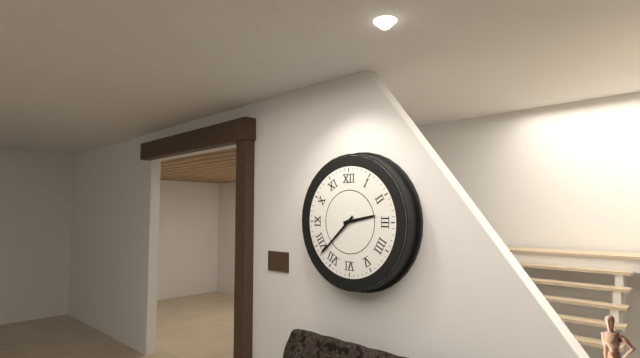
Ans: 2:38
